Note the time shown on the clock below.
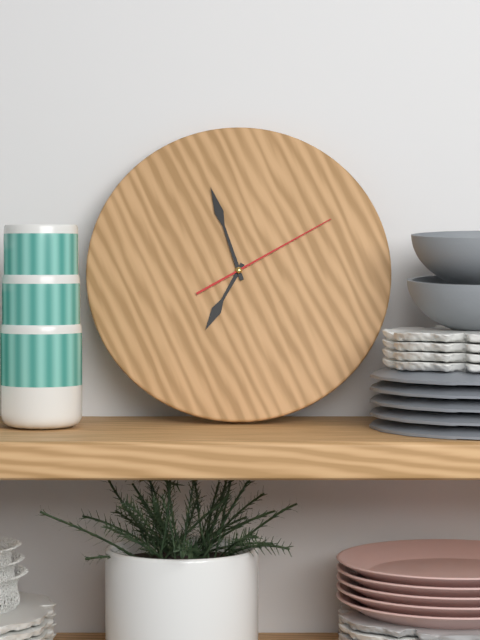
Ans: 6:57:10
